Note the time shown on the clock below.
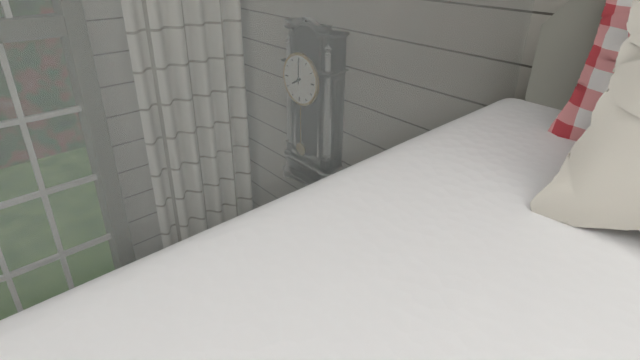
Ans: 8:00
